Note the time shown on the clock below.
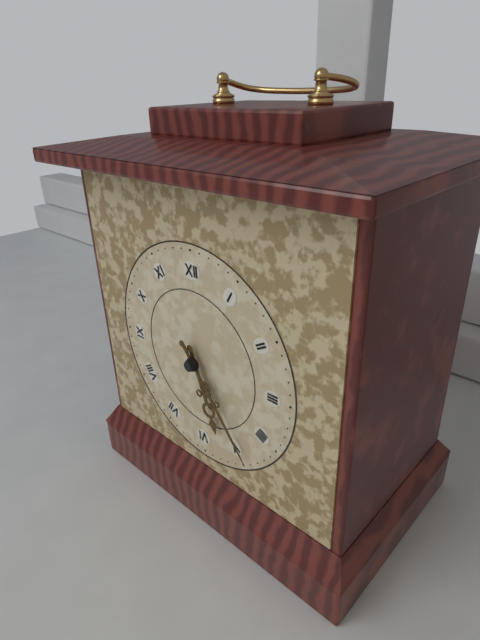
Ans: 5:24
